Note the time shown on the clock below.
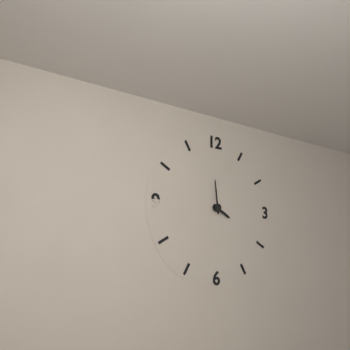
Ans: 3:59
